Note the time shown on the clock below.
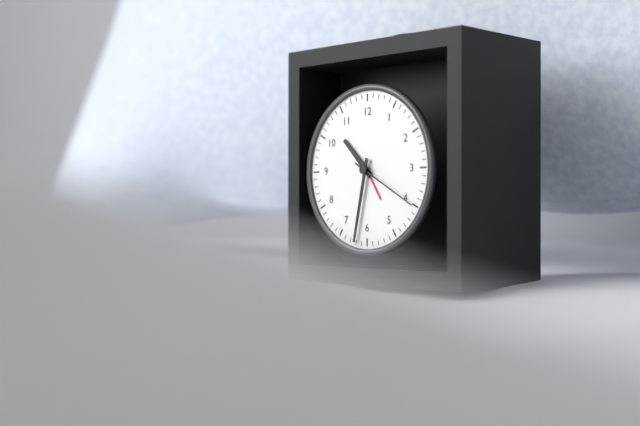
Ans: 10:32:20
